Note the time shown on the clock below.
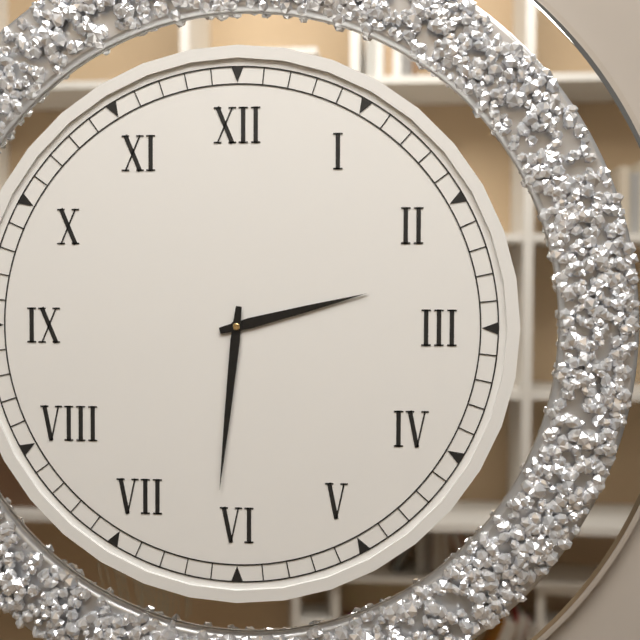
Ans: 2:31
